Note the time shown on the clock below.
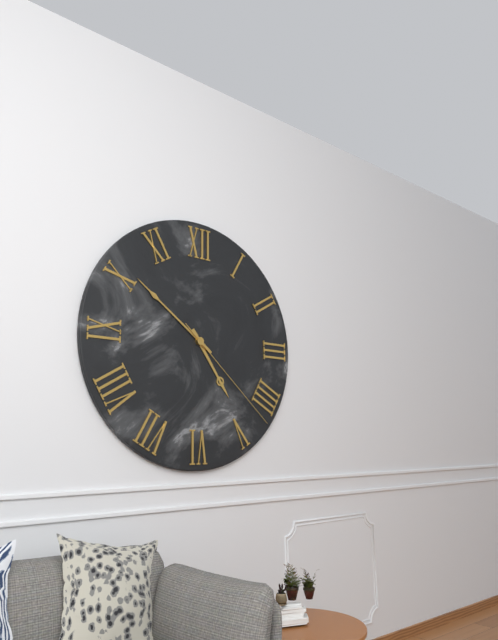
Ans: 4:51:22
